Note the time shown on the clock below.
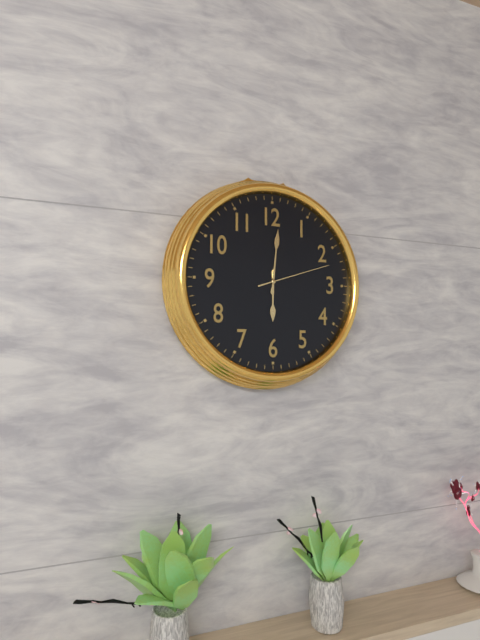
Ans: 6:01:12
